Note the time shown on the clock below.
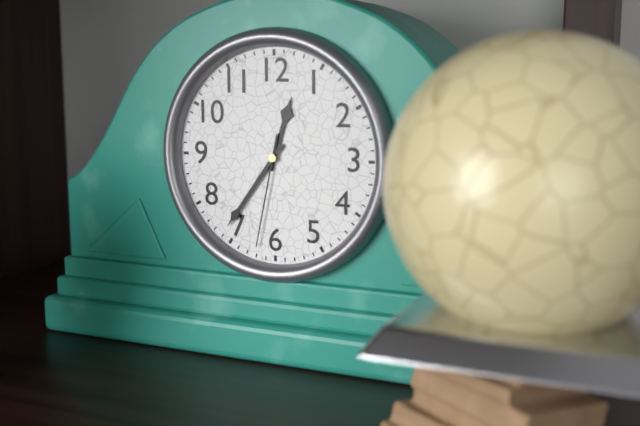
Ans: 12:36:32
